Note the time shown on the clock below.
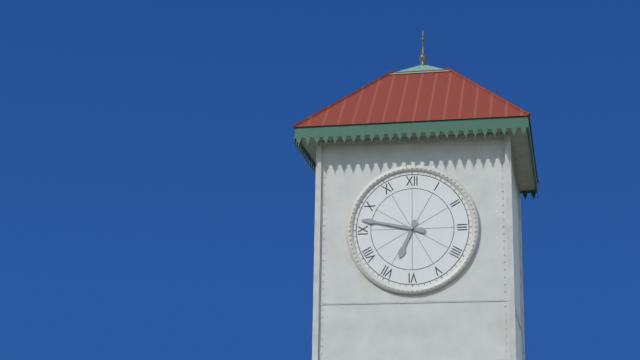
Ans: 6:47
